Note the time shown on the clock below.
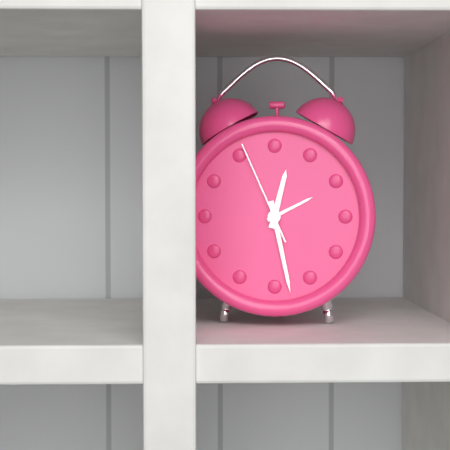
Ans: 12:28:56
